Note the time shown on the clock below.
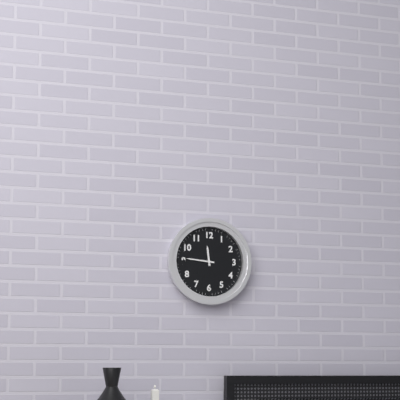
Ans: 11:46
